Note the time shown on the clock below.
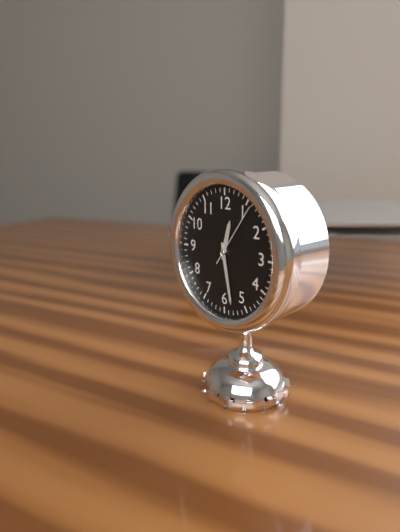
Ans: 12:28:06
